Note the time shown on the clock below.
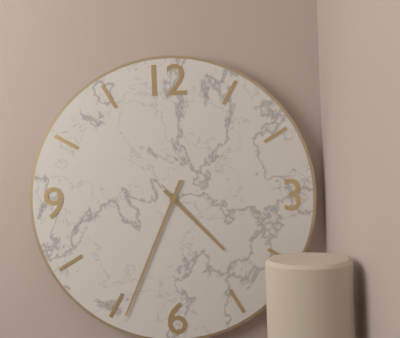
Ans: 4:34
